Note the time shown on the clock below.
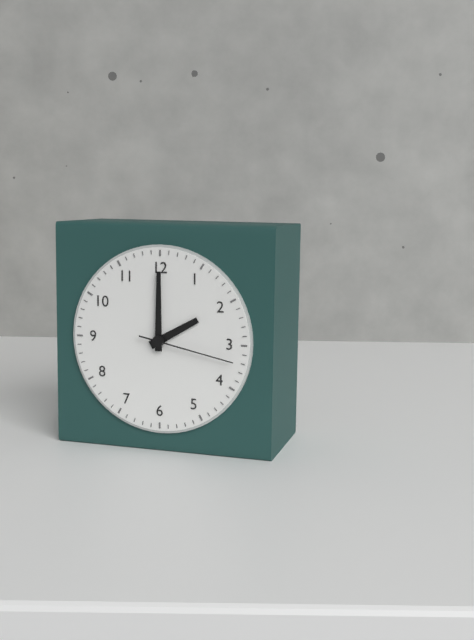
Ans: 2:00:17
